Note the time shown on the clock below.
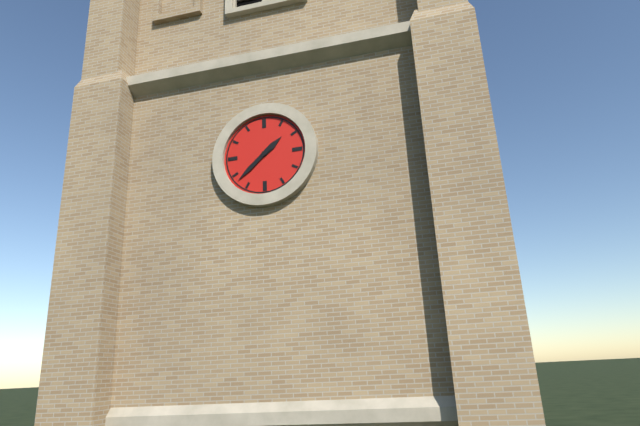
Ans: 1:38
